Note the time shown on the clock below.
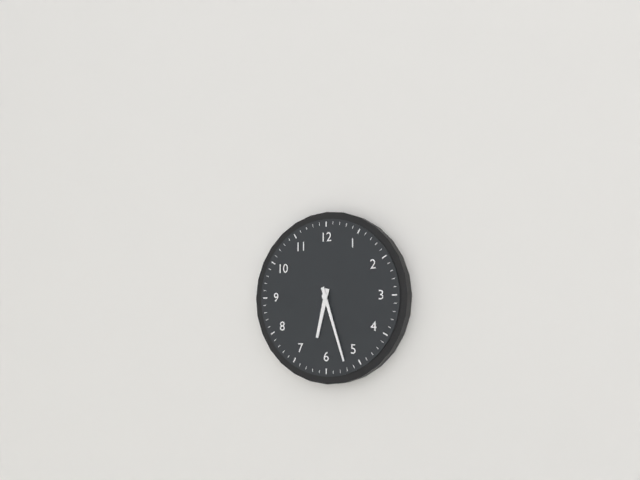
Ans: 6:27
